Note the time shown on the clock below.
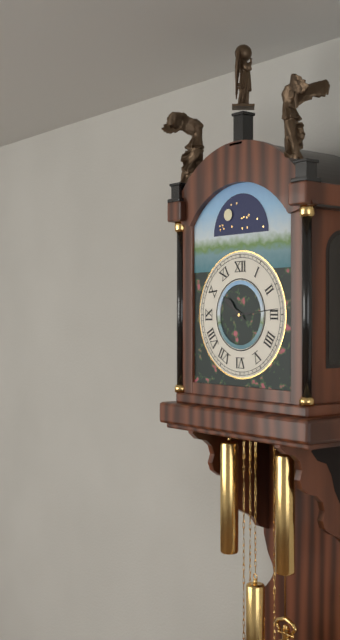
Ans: 10:14
